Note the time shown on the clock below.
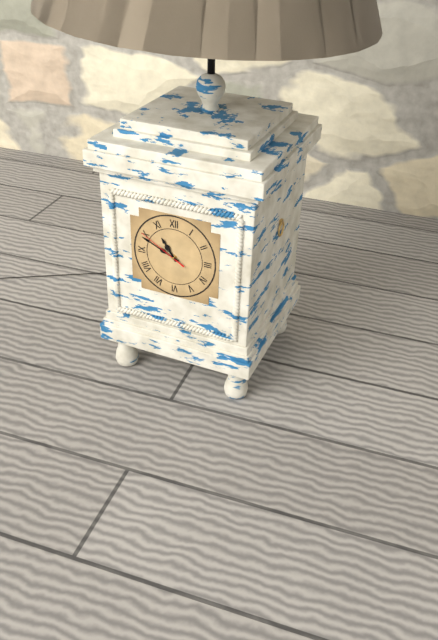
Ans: 10:49:50
